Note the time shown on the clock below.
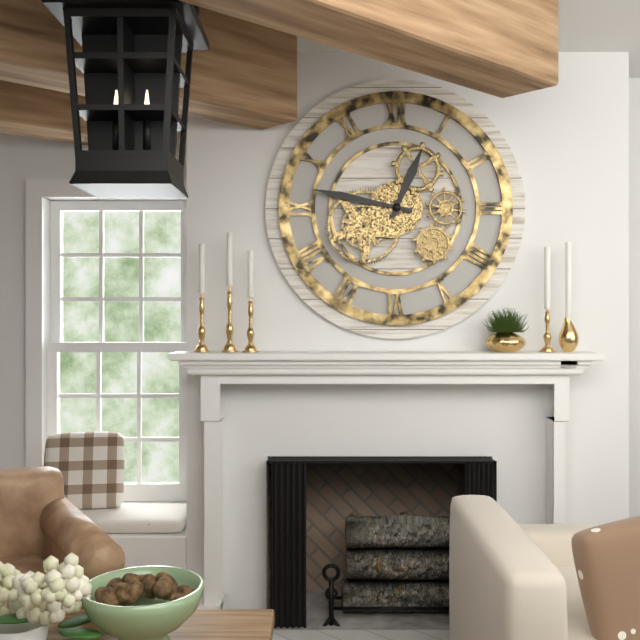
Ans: 12:47
